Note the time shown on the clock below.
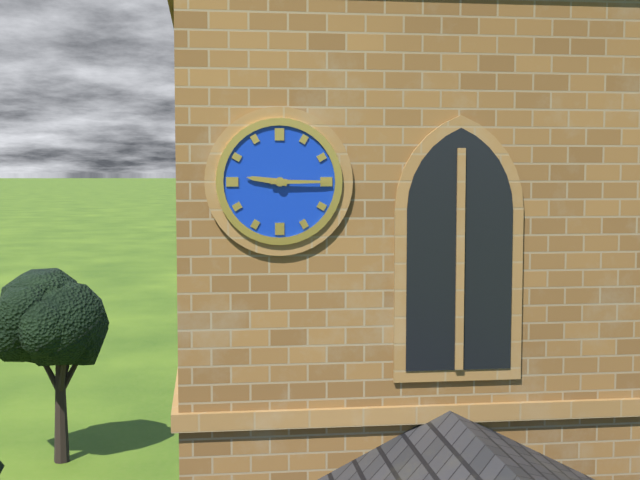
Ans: 9:15
